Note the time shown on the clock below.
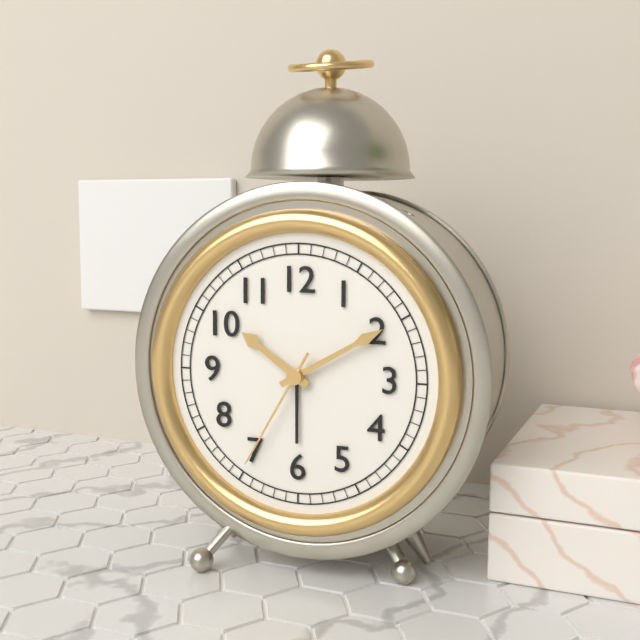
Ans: 10:10:35
